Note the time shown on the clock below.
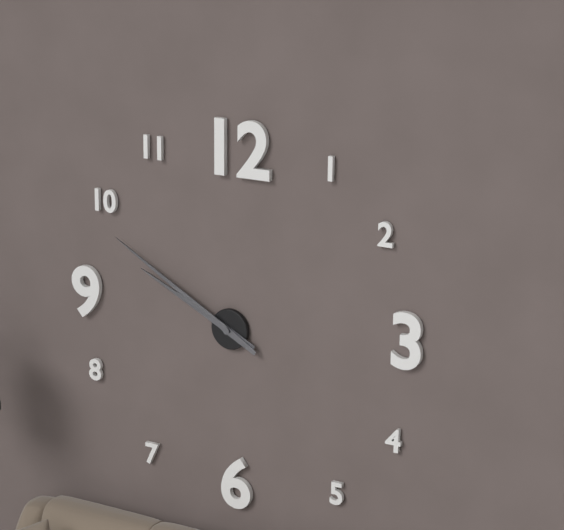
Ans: 9:50
